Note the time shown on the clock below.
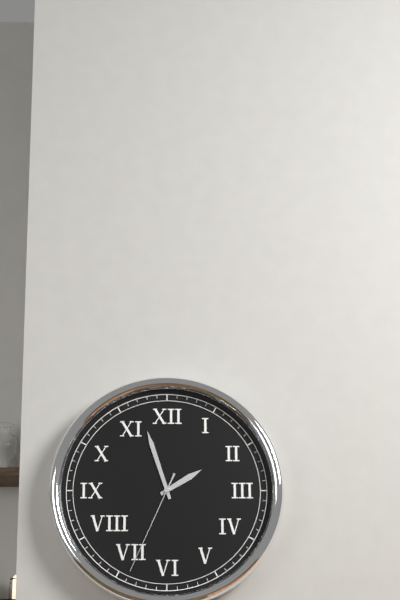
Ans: 1:57:34
